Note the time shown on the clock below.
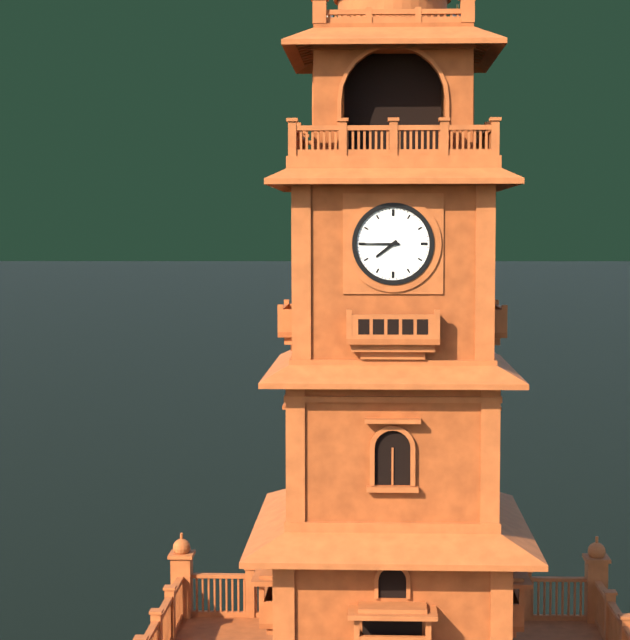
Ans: 7:45
